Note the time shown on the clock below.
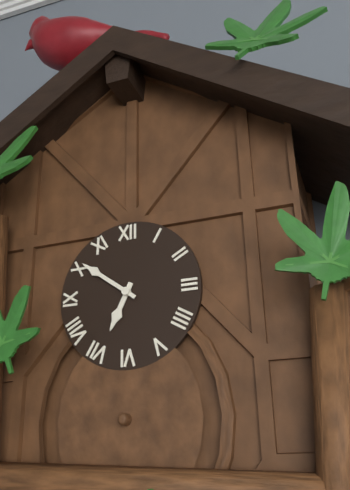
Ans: 6:51
